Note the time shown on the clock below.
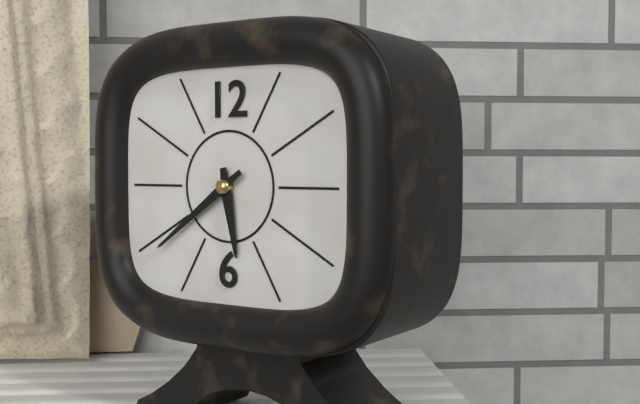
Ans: 5:39
